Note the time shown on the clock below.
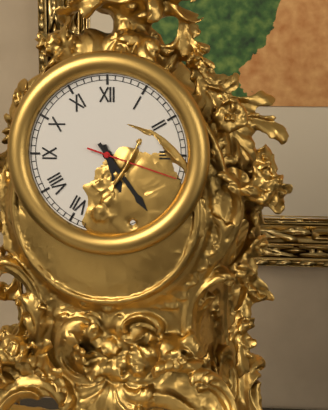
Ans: 5:24:18
